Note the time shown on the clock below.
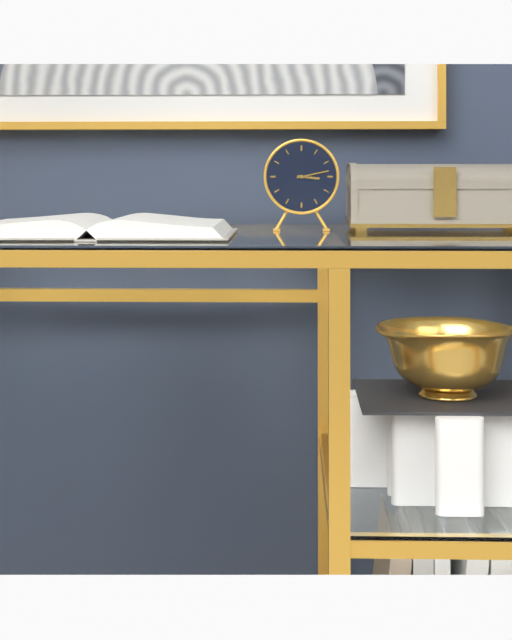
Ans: 3:13
